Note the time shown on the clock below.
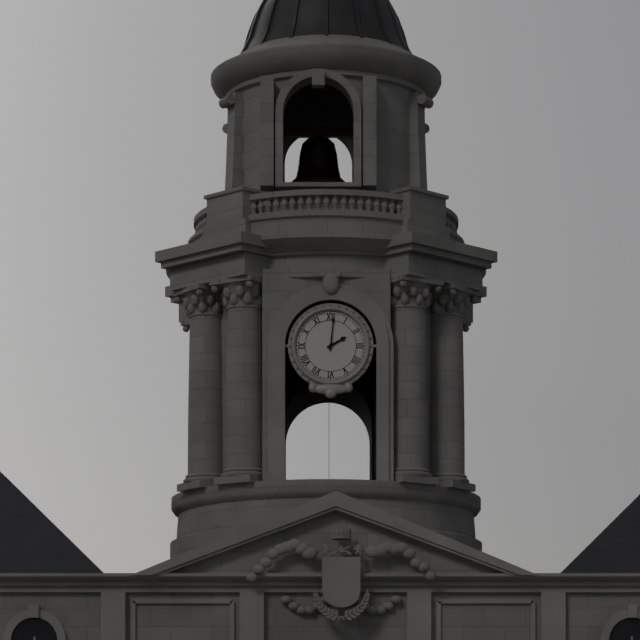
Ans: 2:01
